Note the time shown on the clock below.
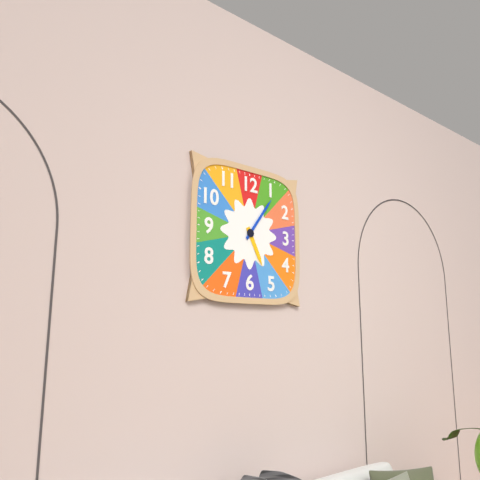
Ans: 5:06
